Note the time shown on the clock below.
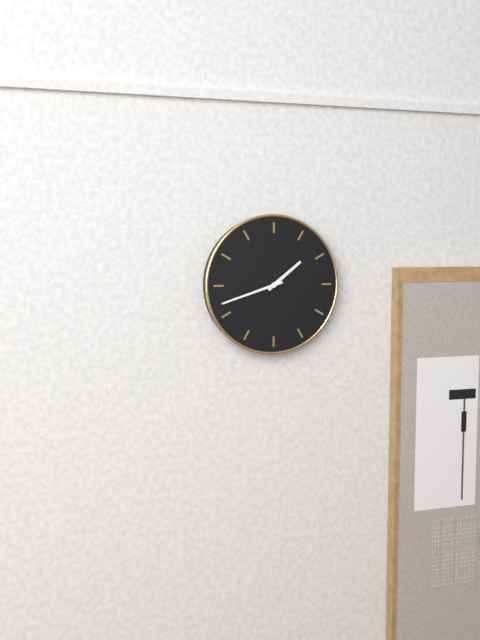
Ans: 1:42
